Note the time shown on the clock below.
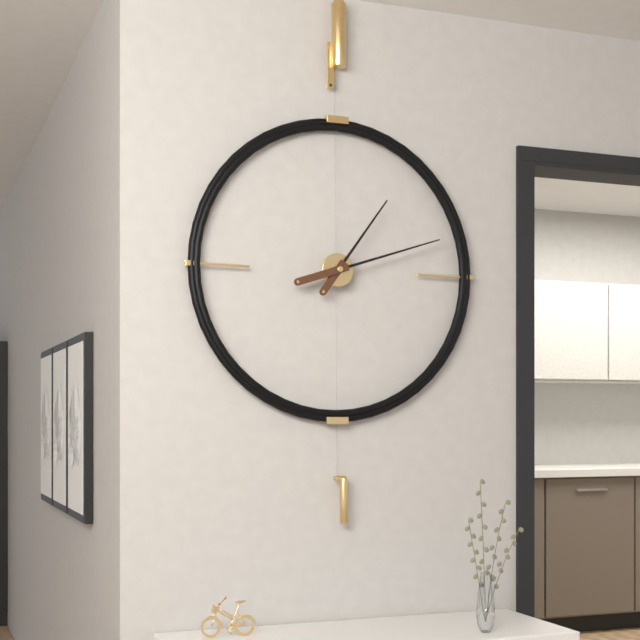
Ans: 1:12
